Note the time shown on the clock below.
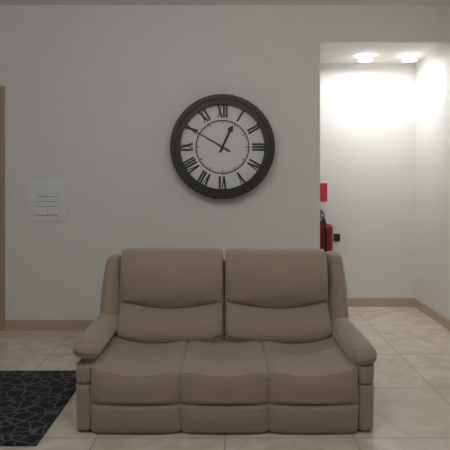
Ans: 12:50
